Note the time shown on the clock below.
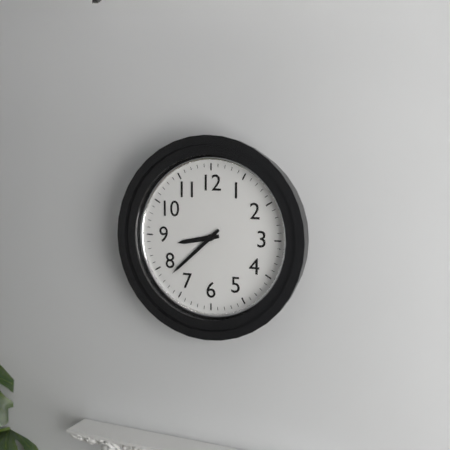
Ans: 8:38
